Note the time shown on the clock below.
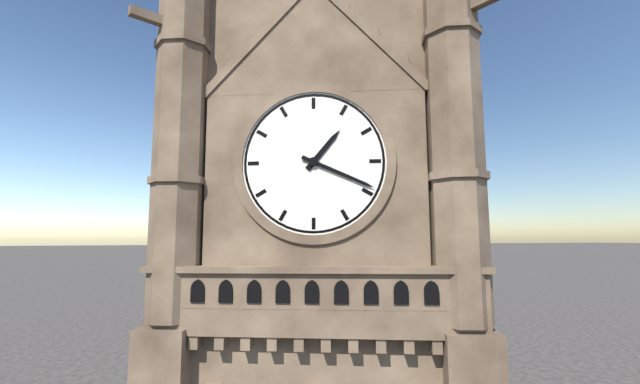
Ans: 1:19
